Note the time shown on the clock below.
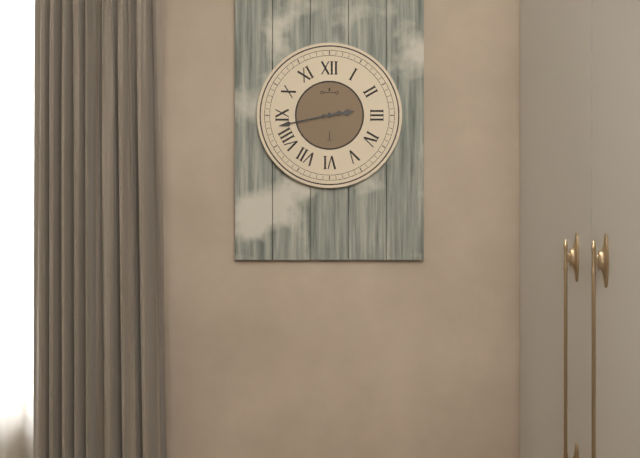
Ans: 2:43
